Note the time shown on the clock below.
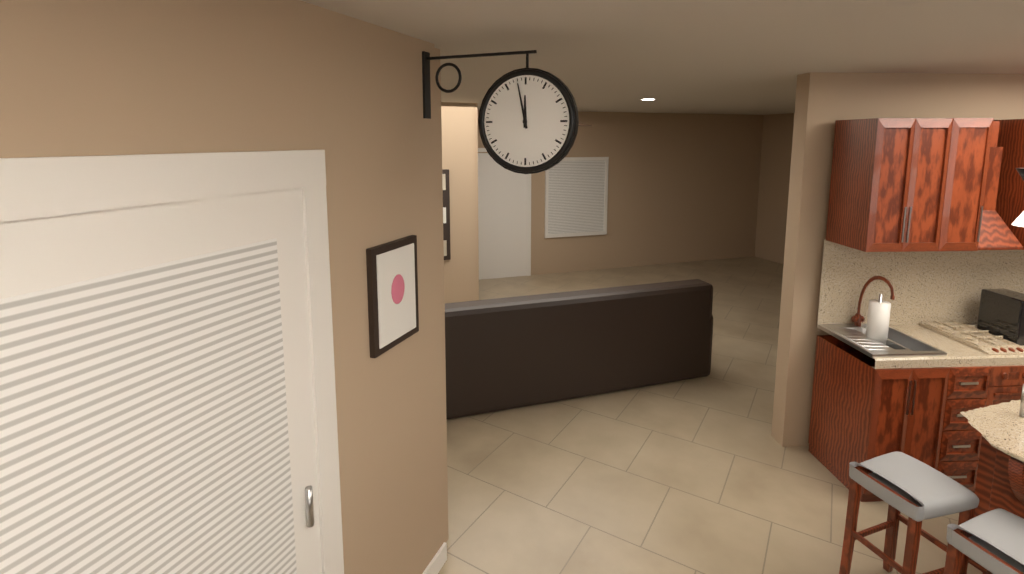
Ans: 11:58
